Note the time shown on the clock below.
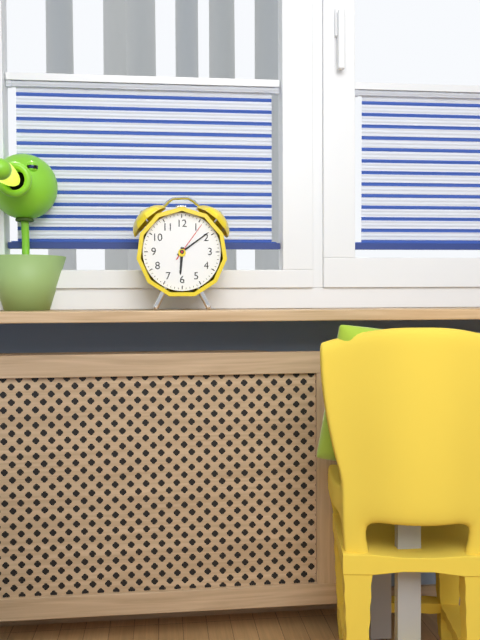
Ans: 6:09
